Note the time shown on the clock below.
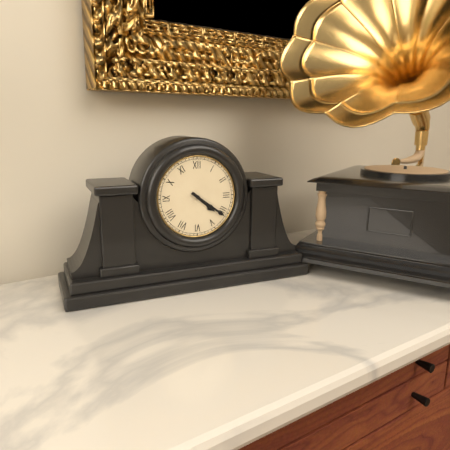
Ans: 4:21
